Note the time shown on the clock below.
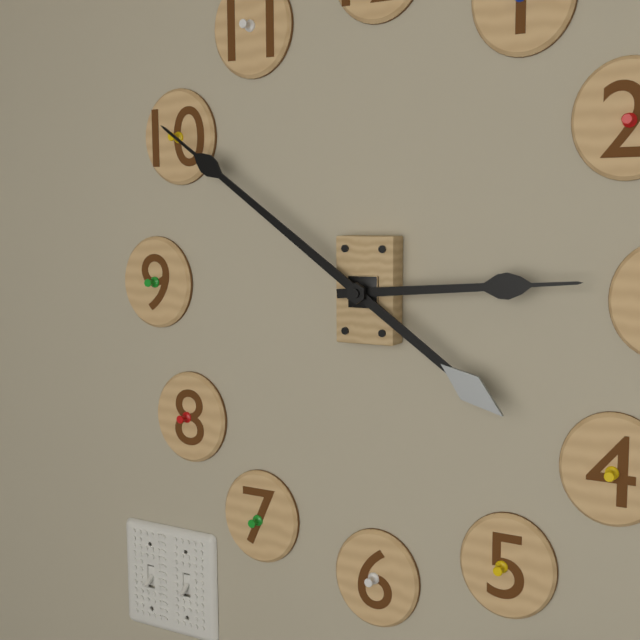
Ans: 2:51
